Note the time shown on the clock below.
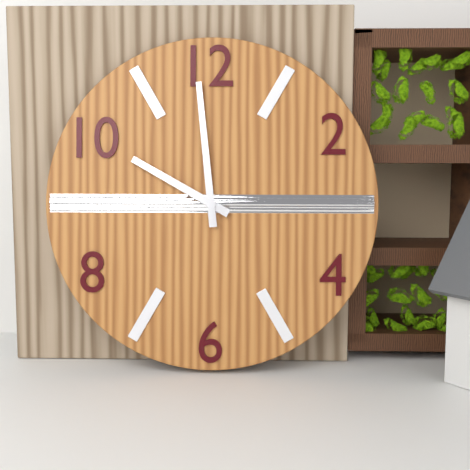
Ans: 9:59
